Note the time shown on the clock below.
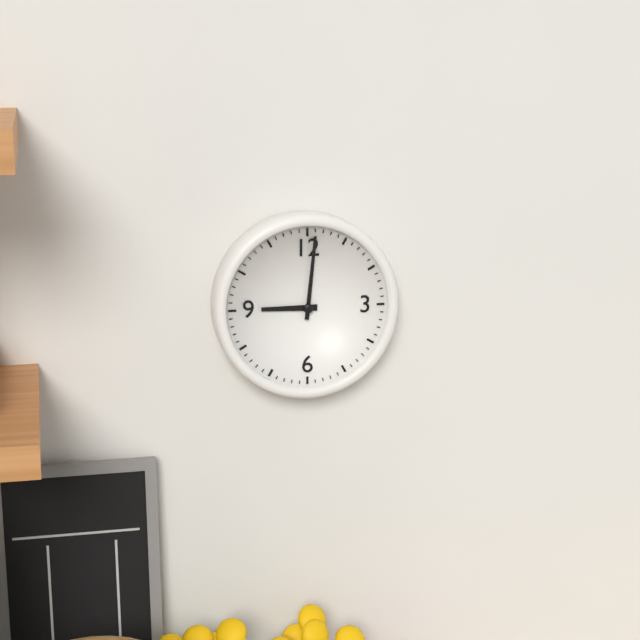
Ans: 9:01
